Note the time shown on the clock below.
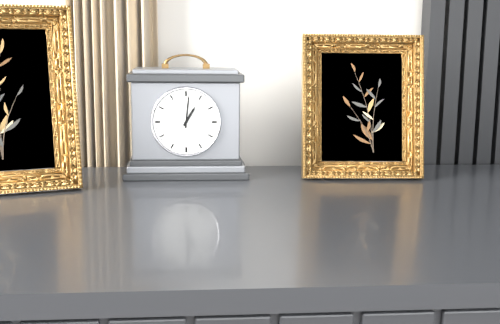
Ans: 1:01
